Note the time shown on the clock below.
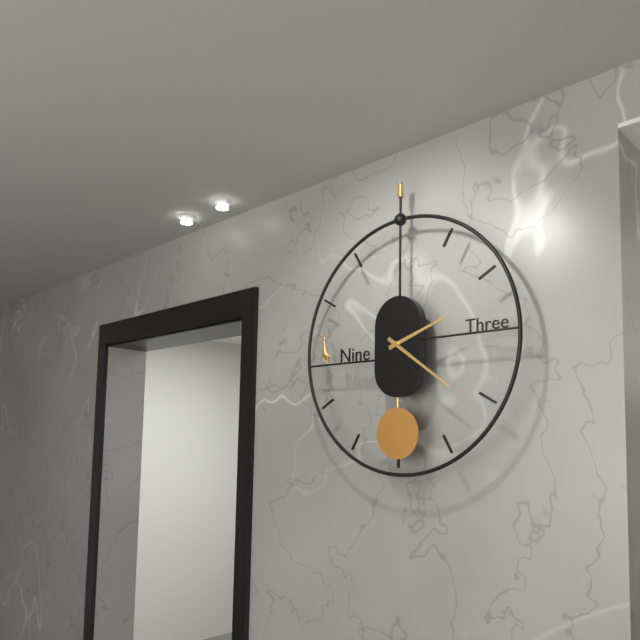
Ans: 2:21
